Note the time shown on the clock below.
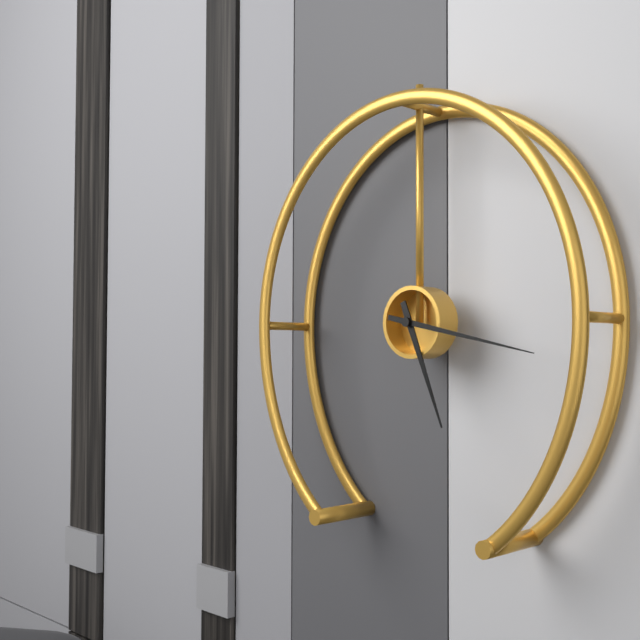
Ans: 5:17
